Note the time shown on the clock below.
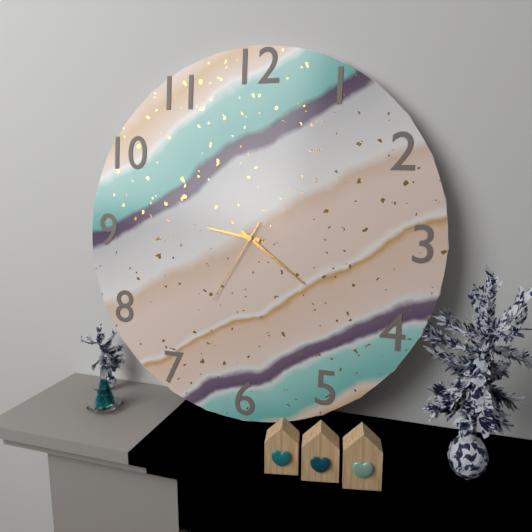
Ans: 9:21:35
